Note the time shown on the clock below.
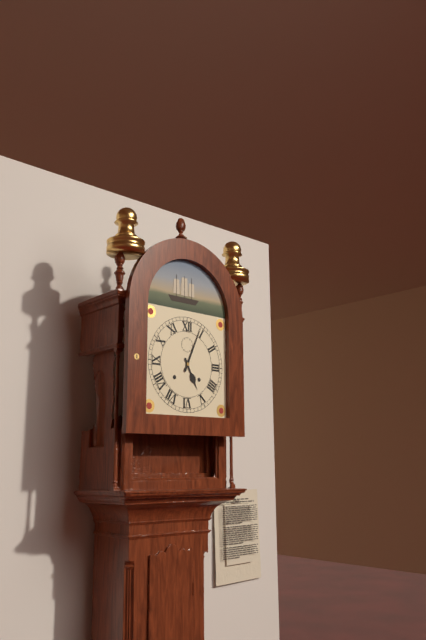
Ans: 5:04
